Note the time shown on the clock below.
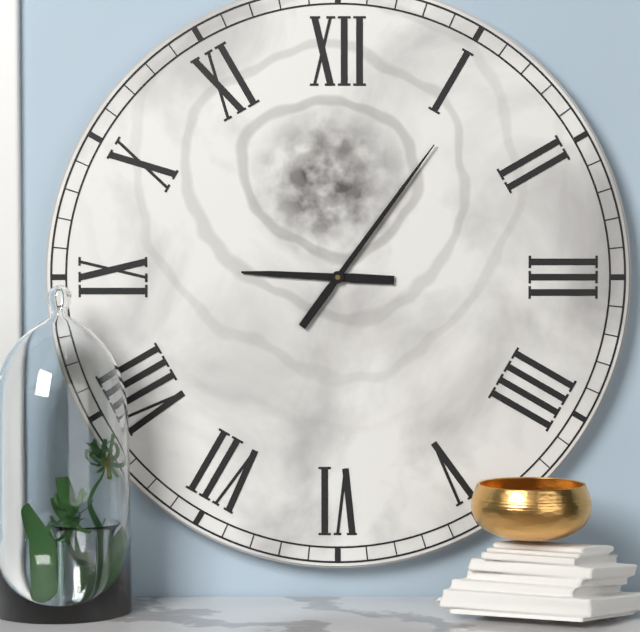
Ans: 9:06
